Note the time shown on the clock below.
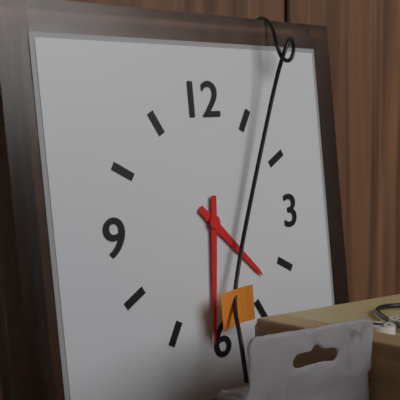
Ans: 4:31
